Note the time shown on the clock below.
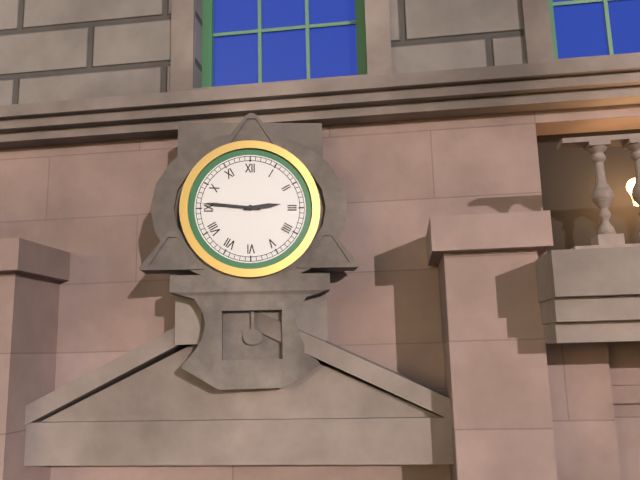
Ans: 2:46
